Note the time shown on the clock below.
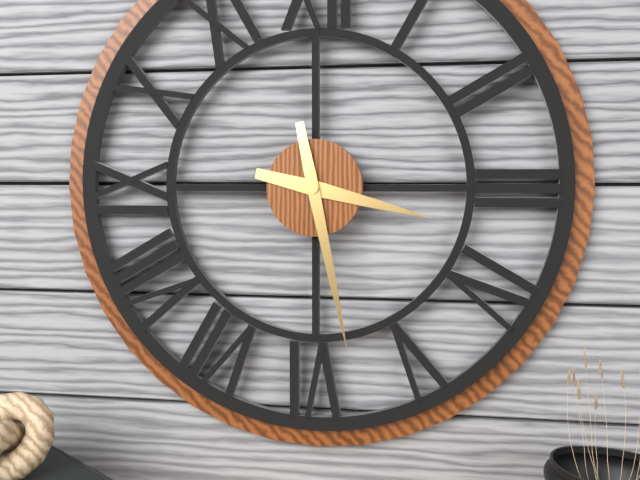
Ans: 3:28
